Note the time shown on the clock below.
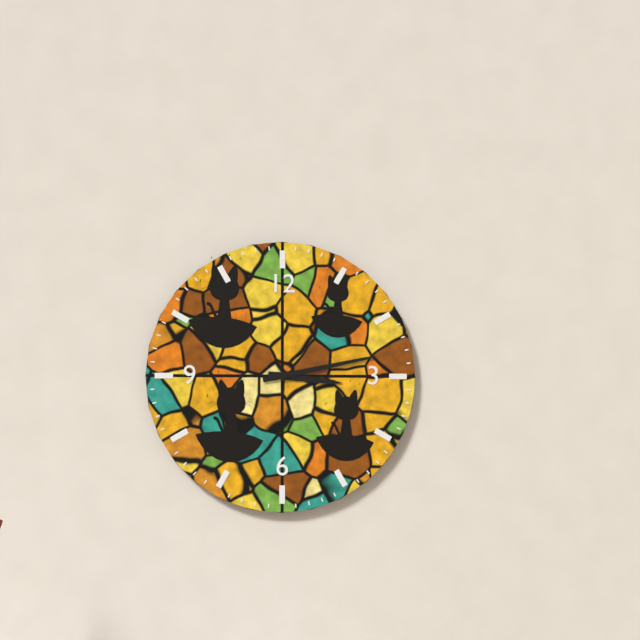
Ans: 3:13
